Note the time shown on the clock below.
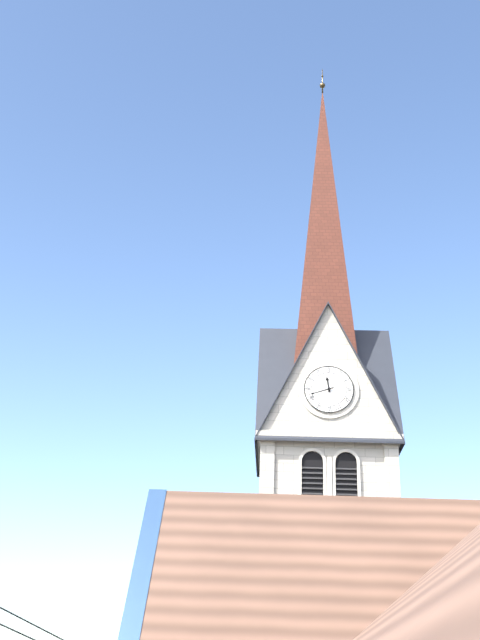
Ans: 11:42
